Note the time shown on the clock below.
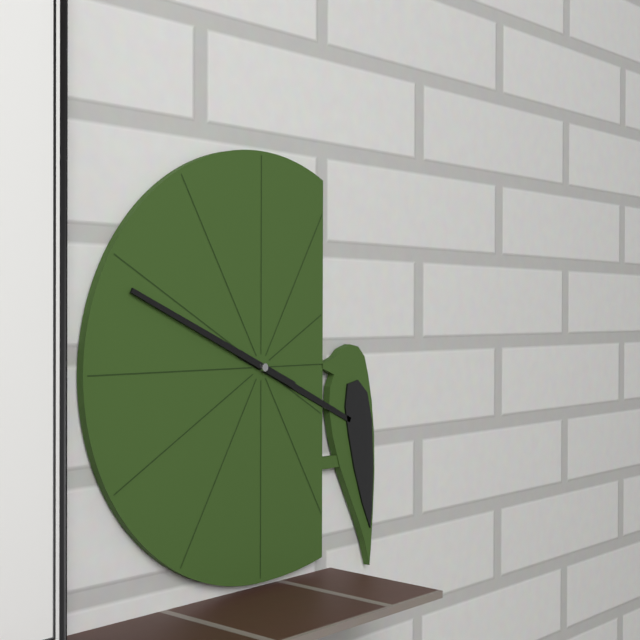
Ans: 3:49
